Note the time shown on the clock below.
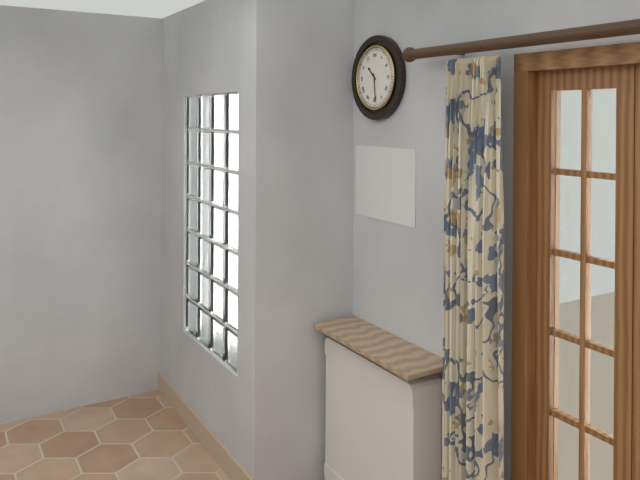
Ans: 10:29
